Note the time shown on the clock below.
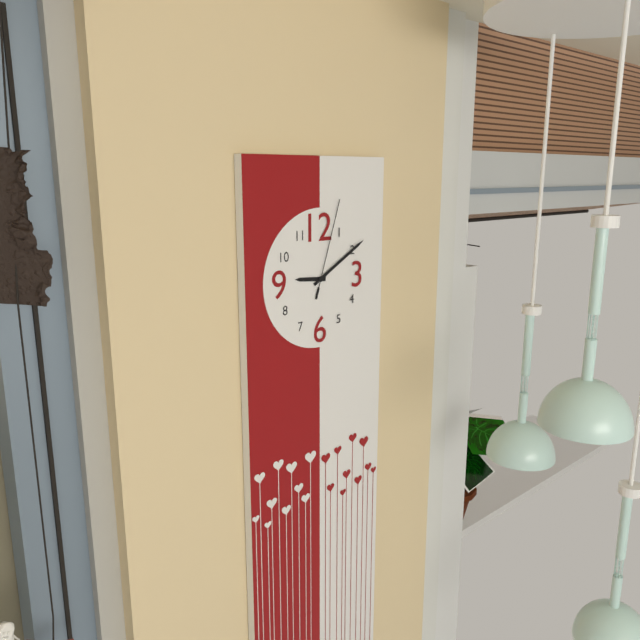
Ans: 9:10:03
